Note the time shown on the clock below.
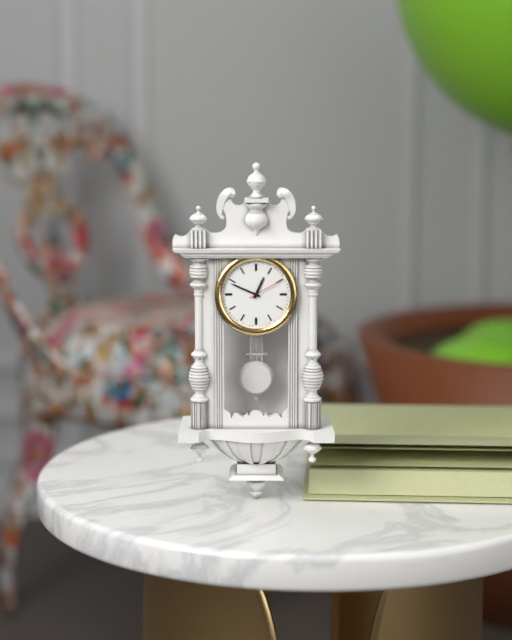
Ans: 12:49
